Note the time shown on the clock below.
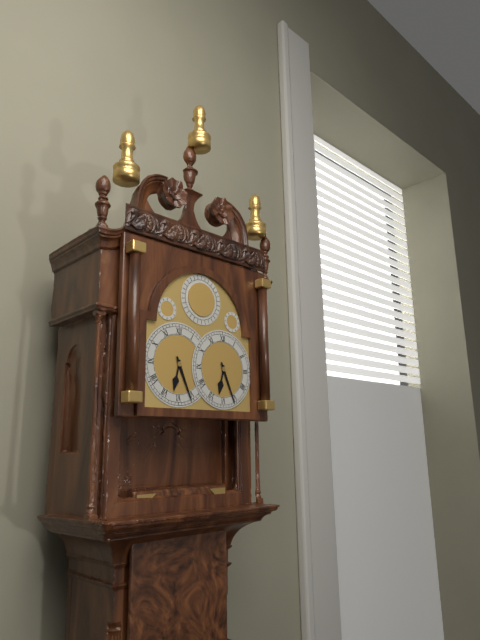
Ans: 6:26
